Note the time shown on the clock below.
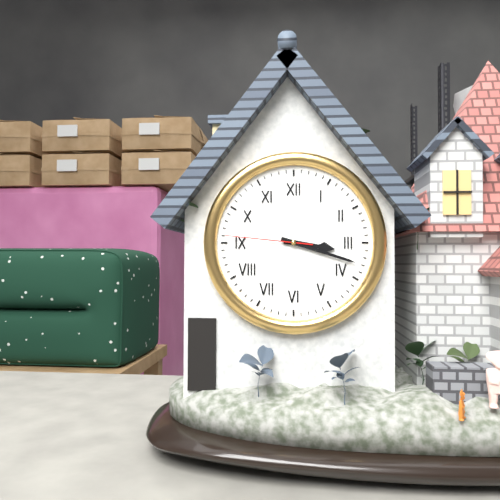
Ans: 3:18:46
